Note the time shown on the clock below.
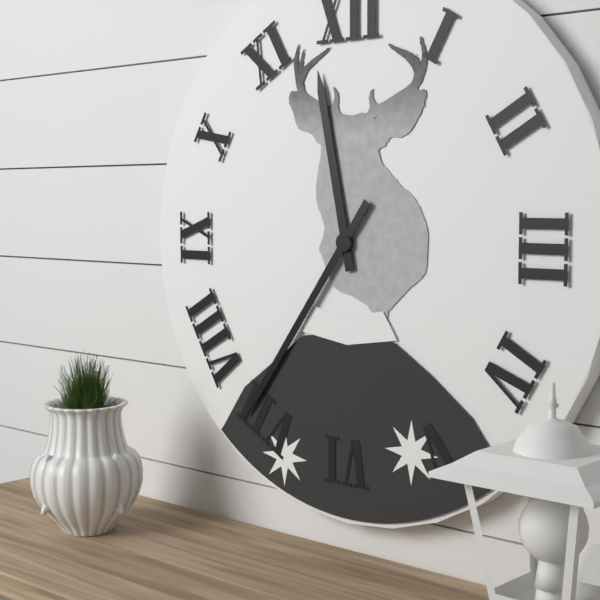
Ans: 11:36
